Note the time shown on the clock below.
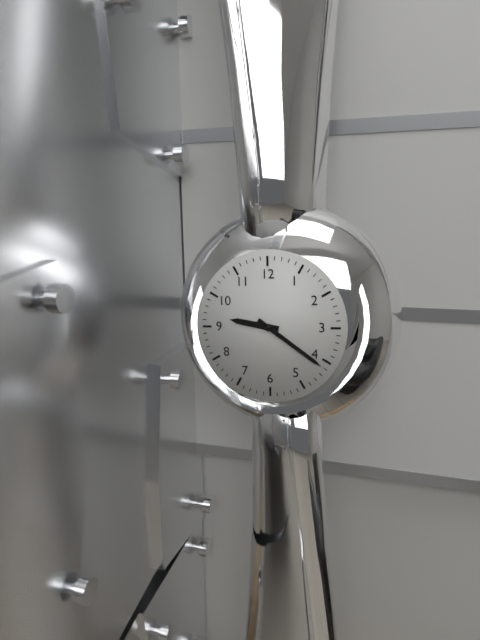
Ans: 9:21
